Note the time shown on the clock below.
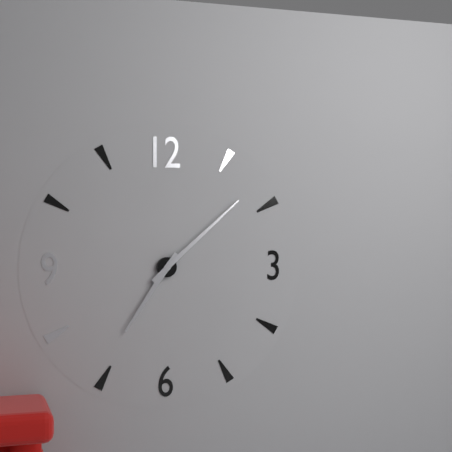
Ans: 7:08
